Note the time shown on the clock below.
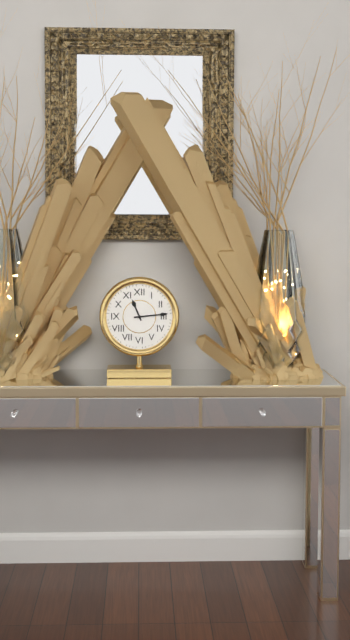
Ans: 11:14
